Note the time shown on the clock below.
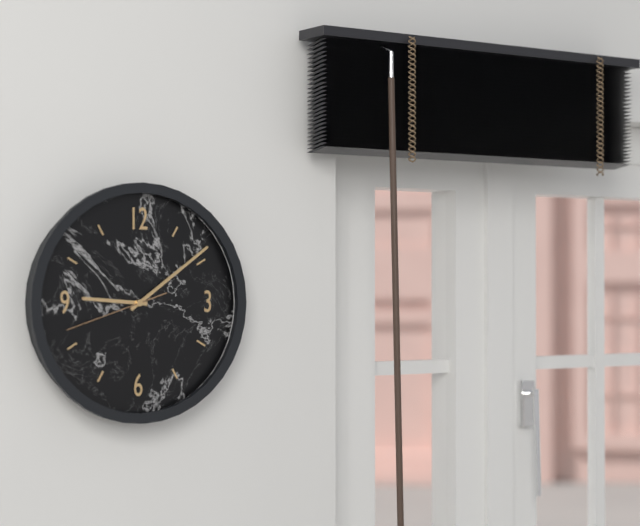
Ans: 9:09:42
